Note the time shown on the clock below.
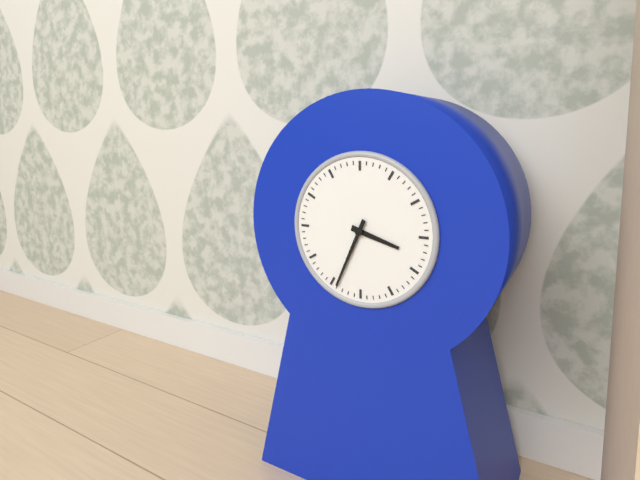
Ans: 3:34
